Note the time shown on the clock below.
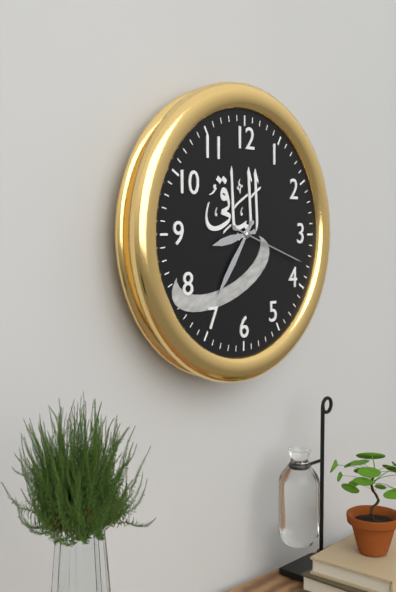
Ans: 8:36:18
